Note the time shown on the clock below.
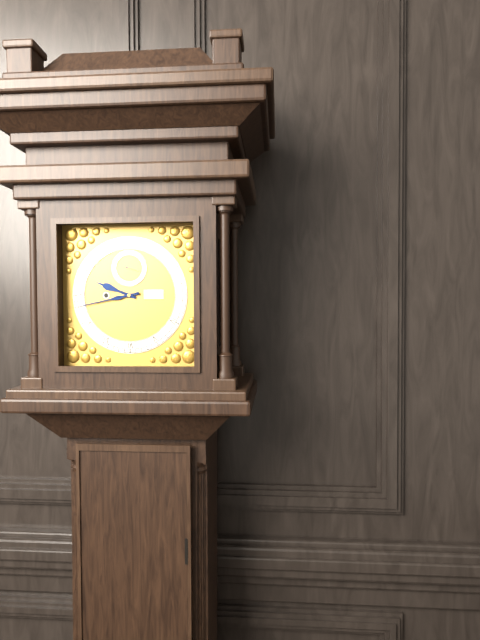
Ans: 9:43
